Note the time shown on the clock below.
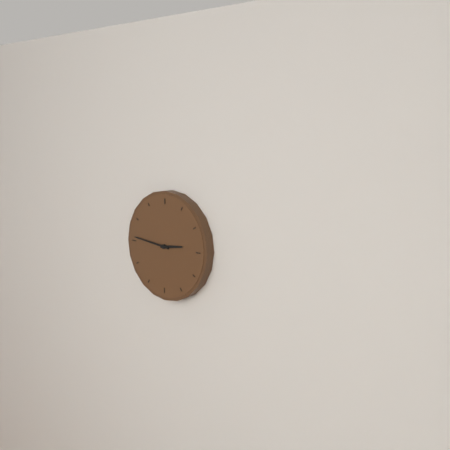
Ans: 2:46
